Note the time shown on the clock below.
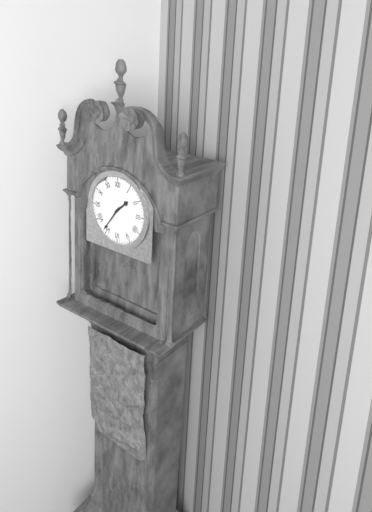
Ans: 1:36
